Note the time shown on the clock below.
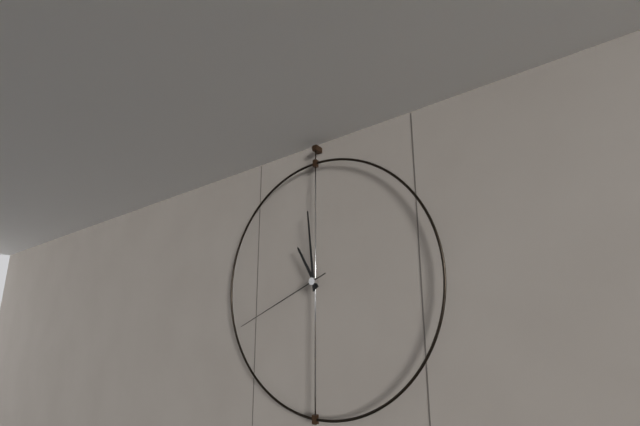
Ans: 10:59:41
